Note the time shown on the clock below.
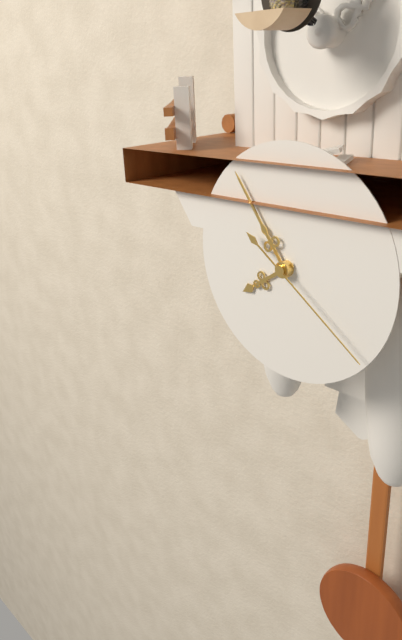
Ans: 7:54:21
